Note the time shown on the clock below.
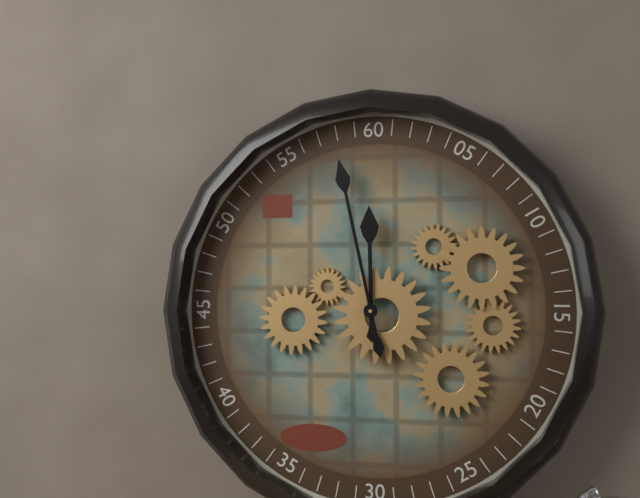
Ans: 11:58
